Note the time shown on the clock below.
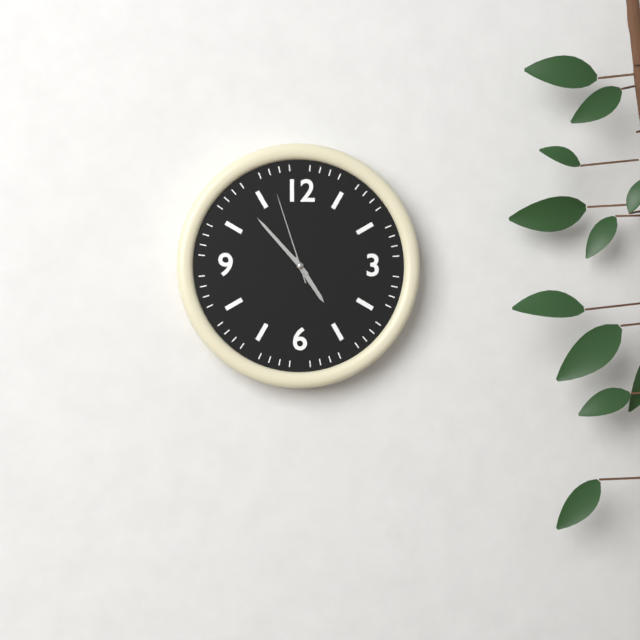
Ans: 4:53:57
